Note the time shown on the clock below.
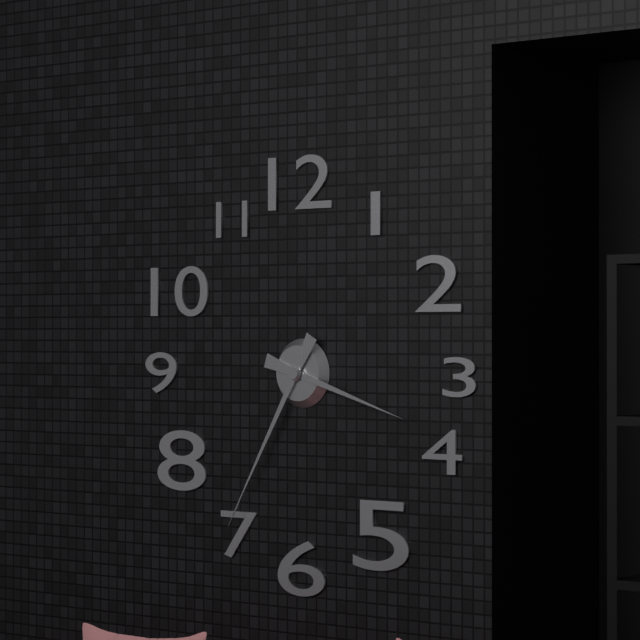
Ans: 3:35
